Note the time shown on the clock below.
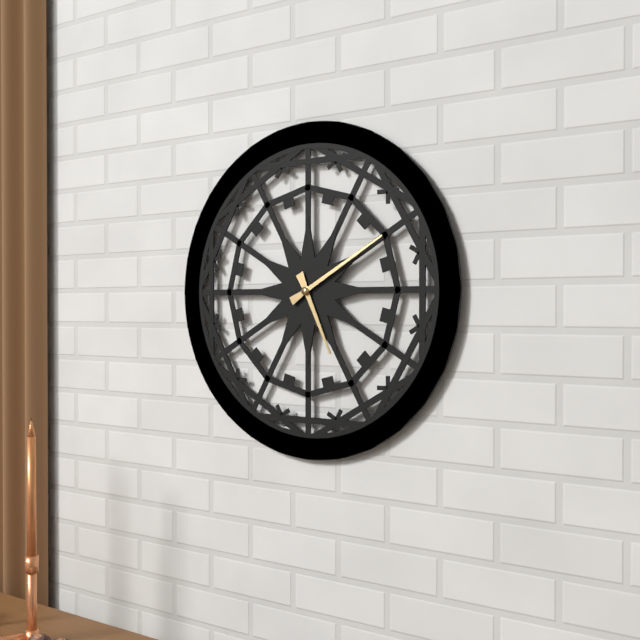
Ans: 5:10
